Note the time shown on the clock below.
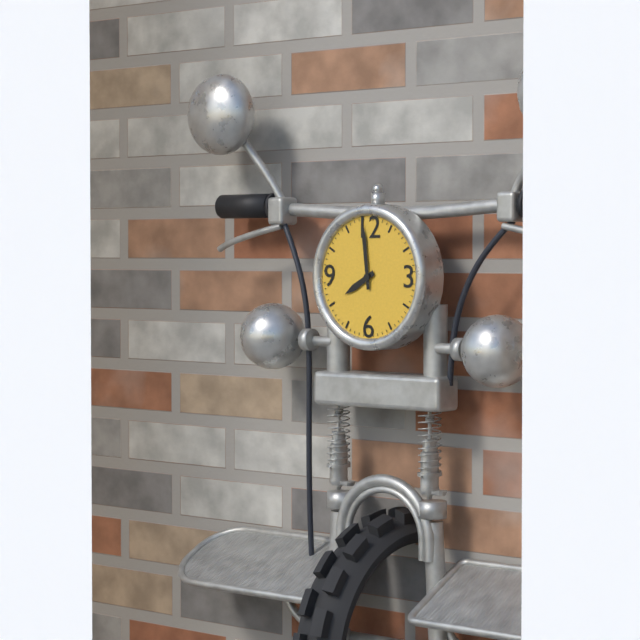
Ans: 7:59
